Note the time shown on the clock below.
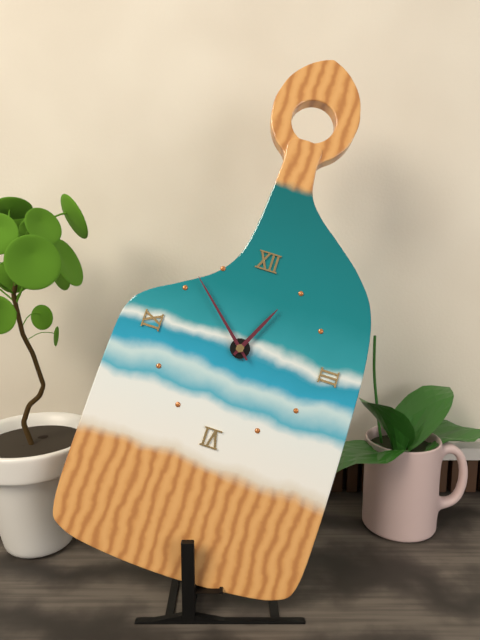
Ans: 12:52
